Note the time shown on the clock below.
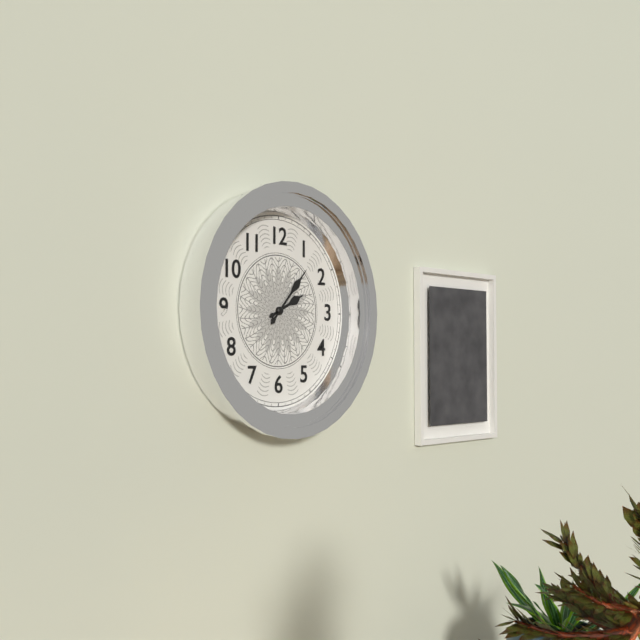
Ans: 2:07
